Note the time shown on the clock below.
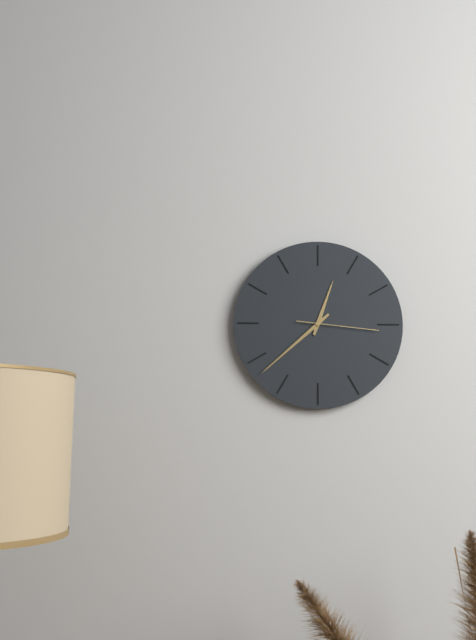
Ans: 12:38:16
